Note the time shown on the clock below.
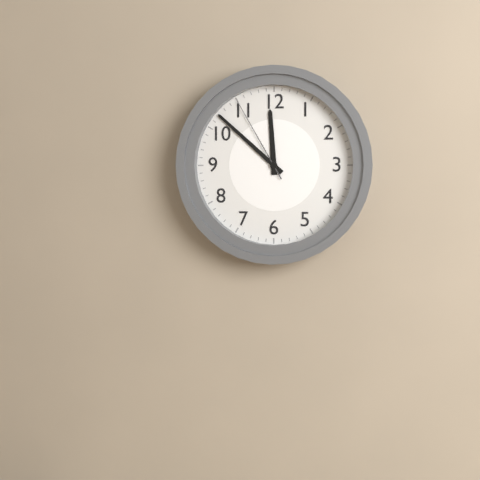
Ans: 11:52:55
